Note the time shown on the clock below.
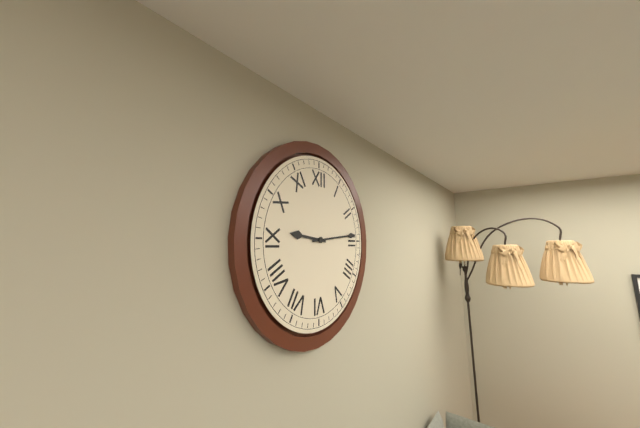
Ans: 9:14
